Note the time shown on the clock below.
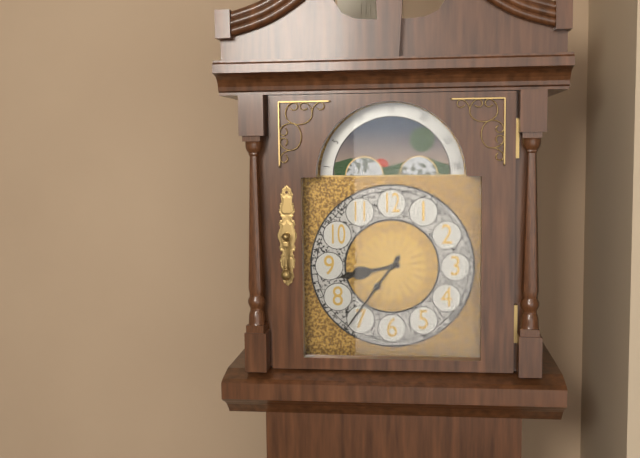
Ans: 8:36
